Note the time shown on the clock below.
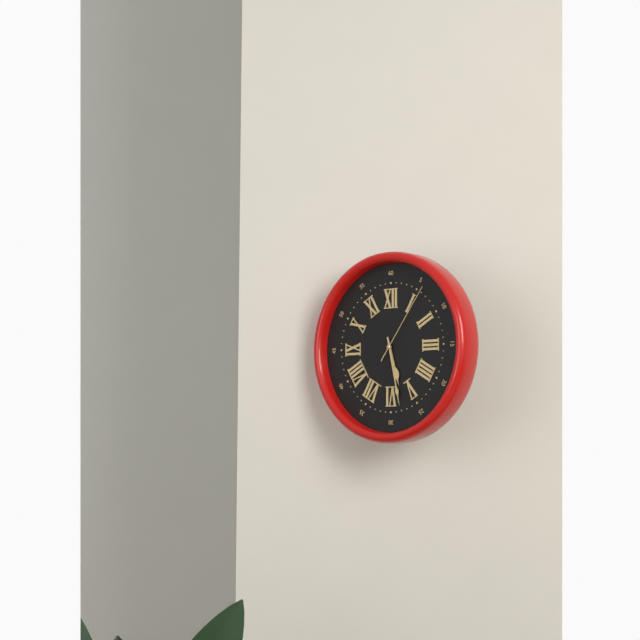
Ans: 5:28:06
